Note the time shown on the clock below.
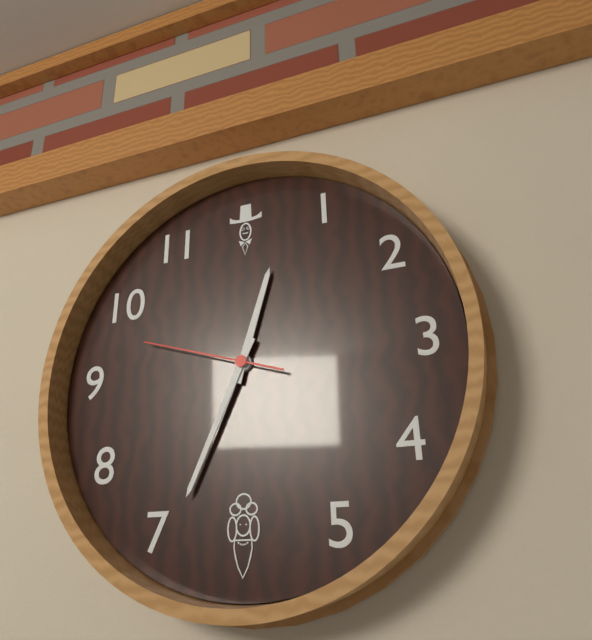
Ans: 12:34:48
